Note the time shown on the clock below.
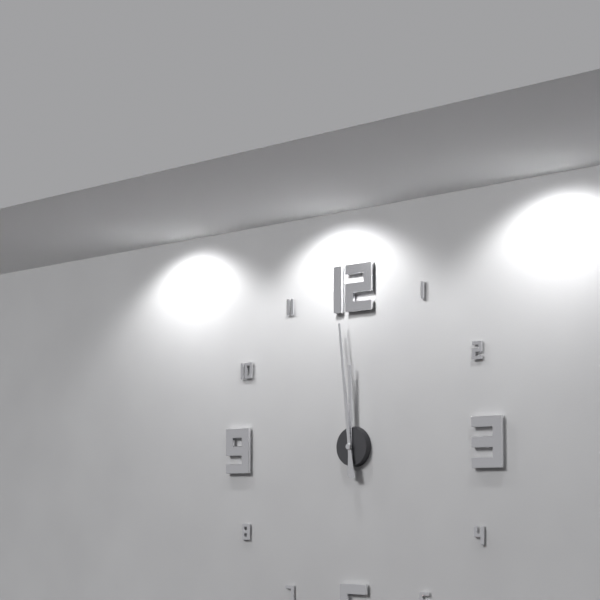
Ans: 11:59
